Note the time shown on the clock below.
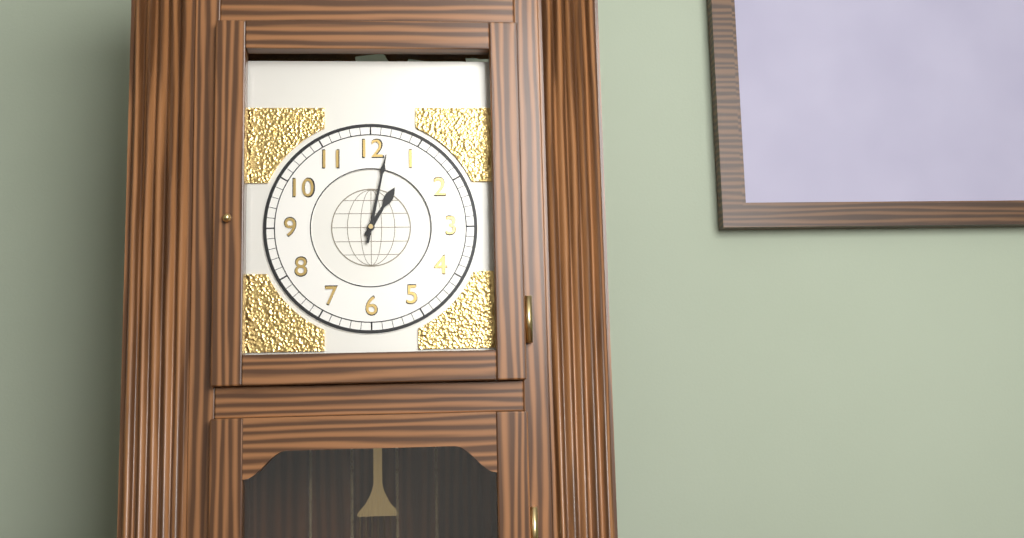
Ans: 1:02
